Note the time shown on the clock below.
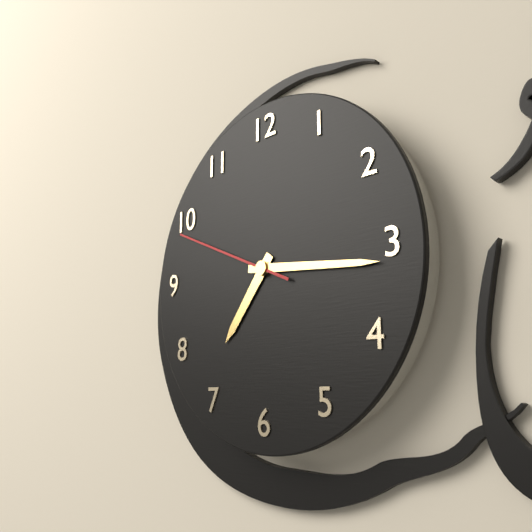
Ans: 7:16:49
